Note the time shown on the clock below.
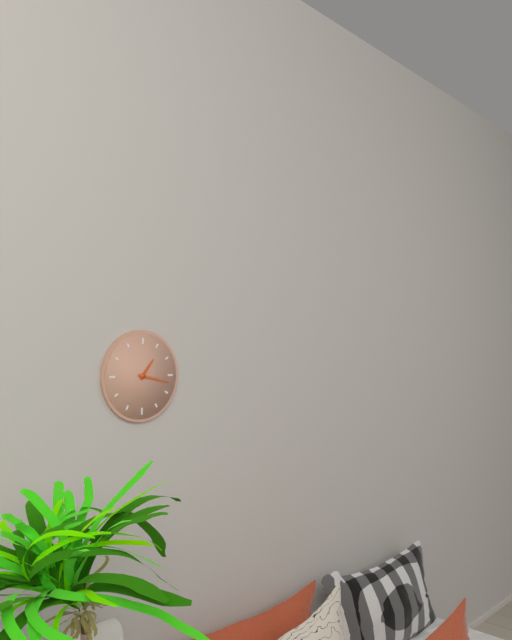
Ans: 1:17
